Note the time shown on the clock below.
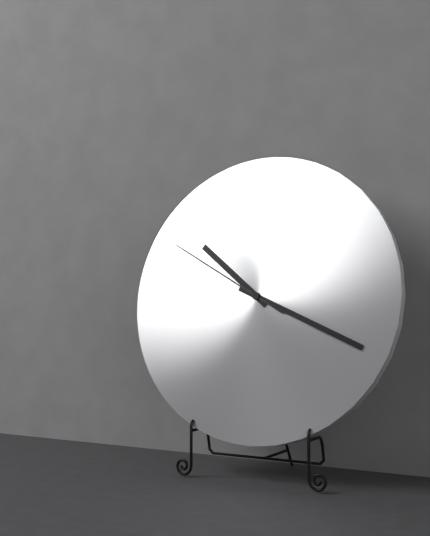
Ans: 10:19:50
